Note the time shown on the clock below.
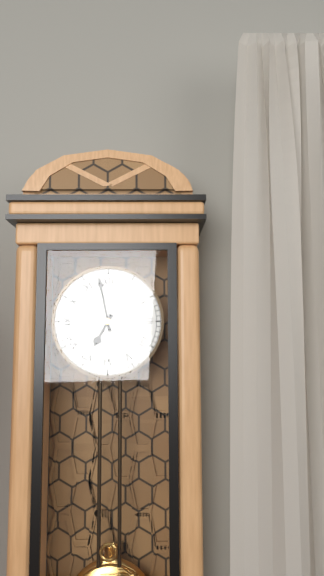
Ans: 6:58
